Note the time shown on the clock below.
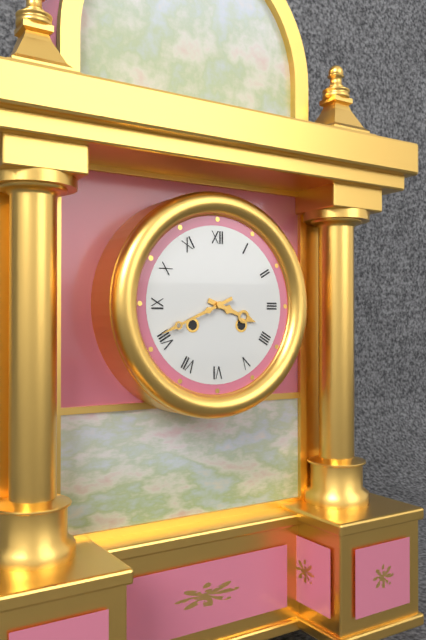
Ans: 3:41
